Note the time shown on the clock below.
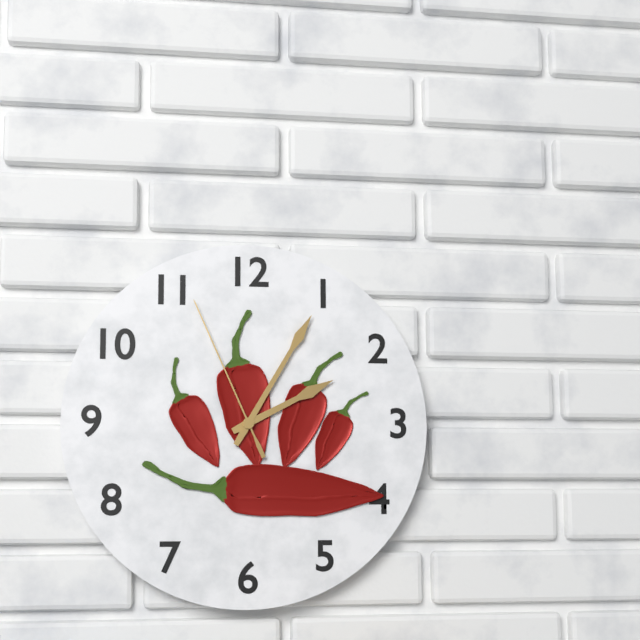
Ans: 2:05:56
